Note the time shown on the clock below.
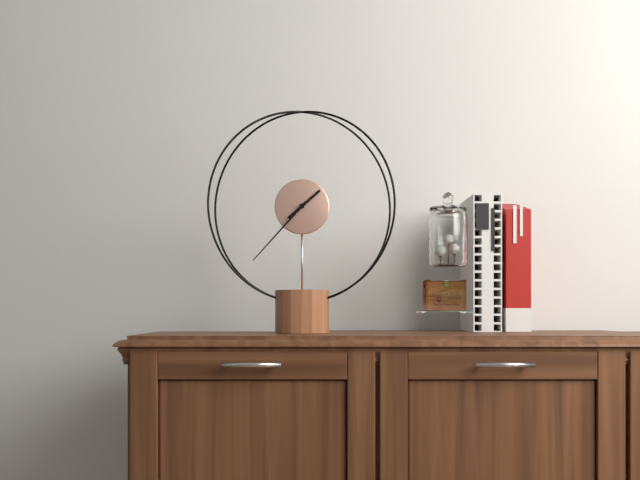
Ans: 1:37
